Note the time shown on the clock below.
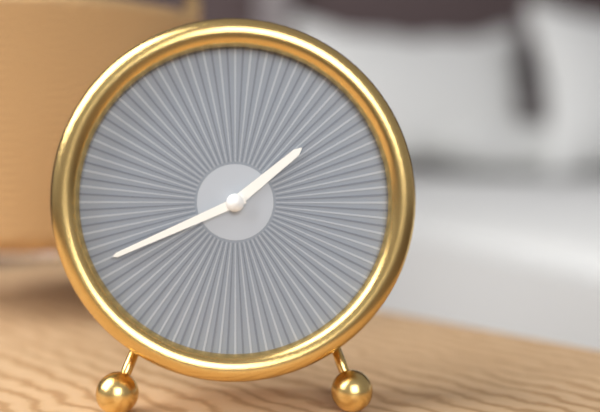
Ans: 1:41
